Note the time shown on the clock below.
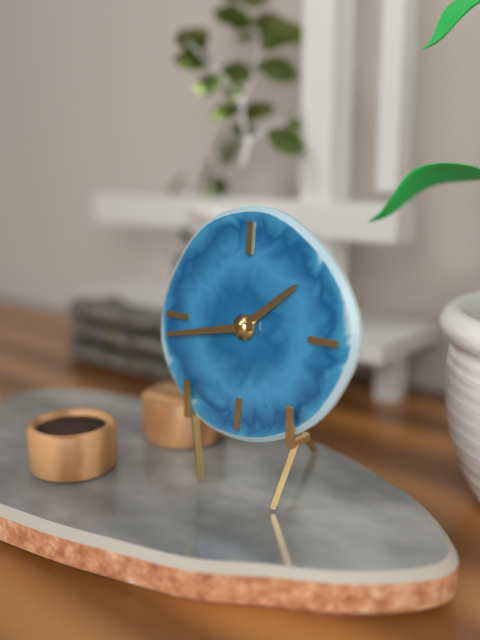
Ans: 1:43
